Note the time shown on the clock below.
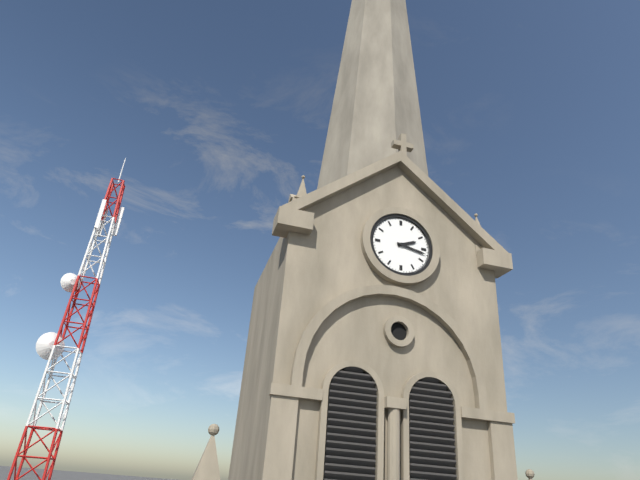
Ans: 2:17
